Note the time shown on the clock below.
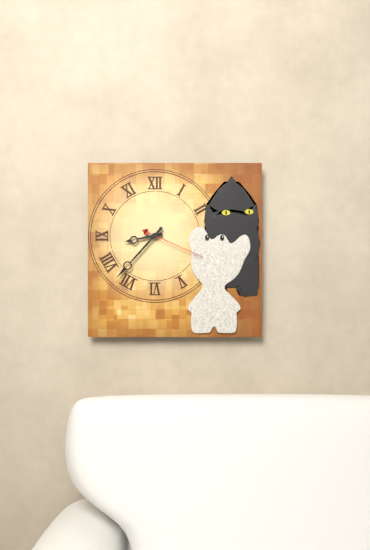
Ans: 8:37:19
